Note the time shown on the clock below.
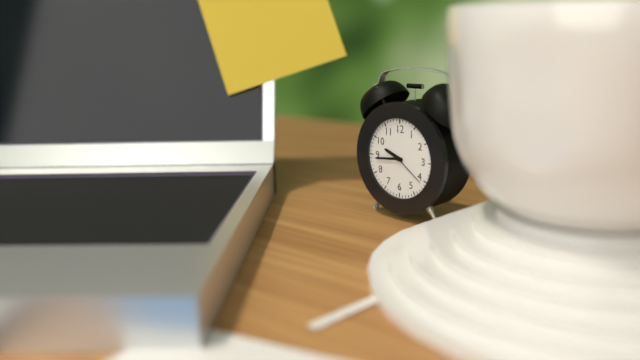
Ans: 9:44
